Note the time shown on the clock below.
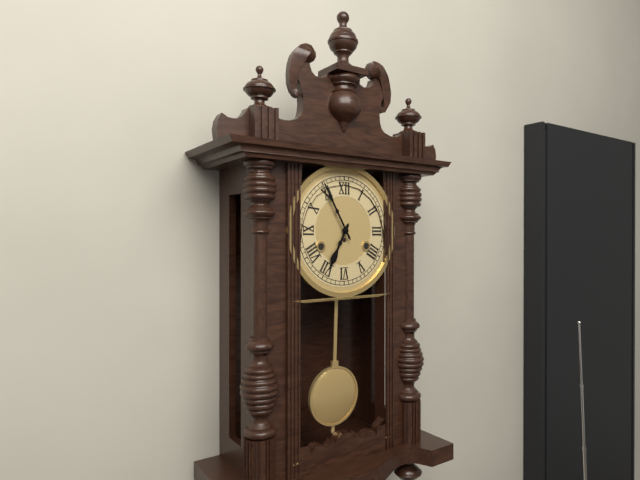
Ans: 6:55
